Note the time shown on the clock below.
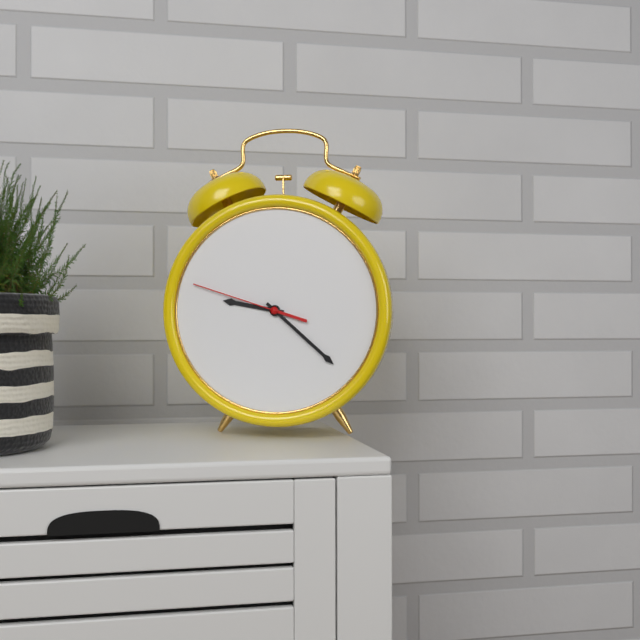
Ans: 9:22:48
